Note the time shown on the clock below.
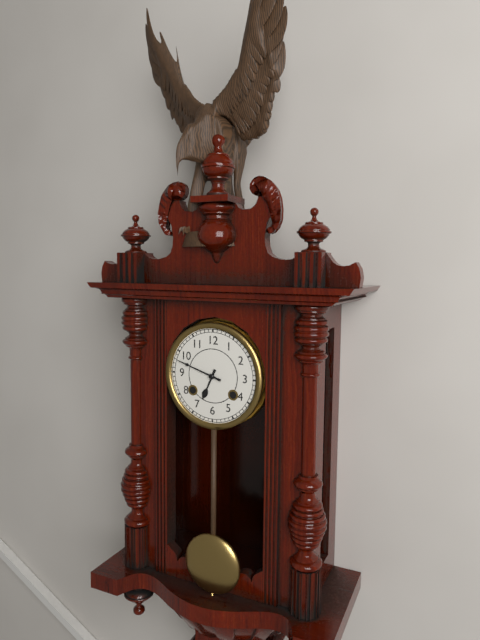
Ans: 6:48
